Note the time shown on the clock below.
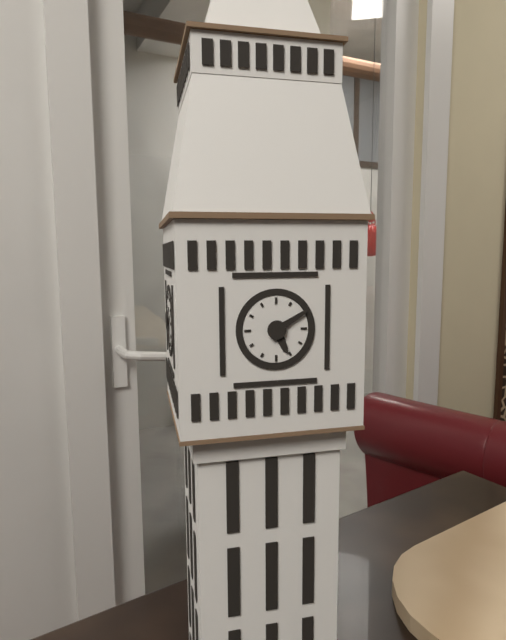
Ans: 5:10
